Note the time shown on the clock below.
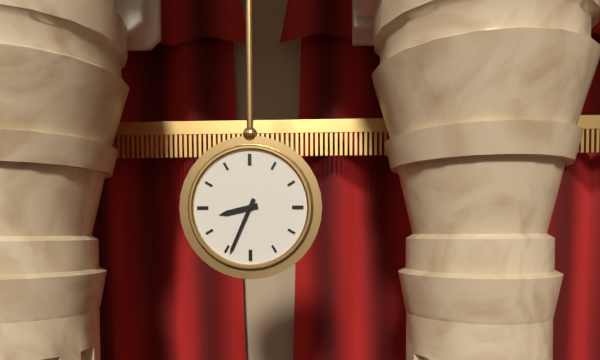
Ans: 8:34
